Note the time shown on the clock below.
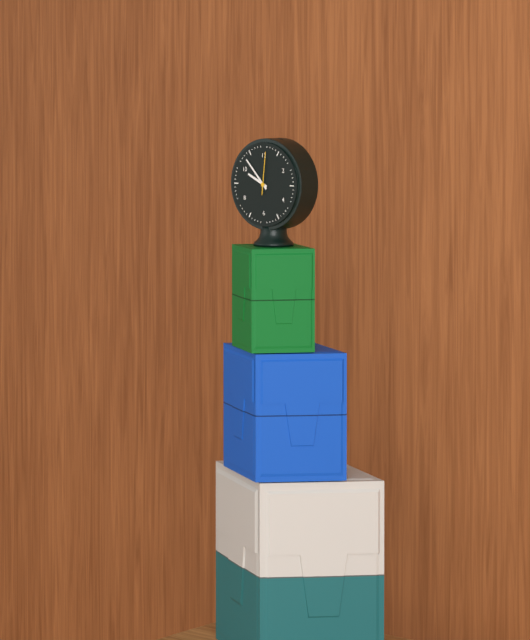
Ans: 9:53
